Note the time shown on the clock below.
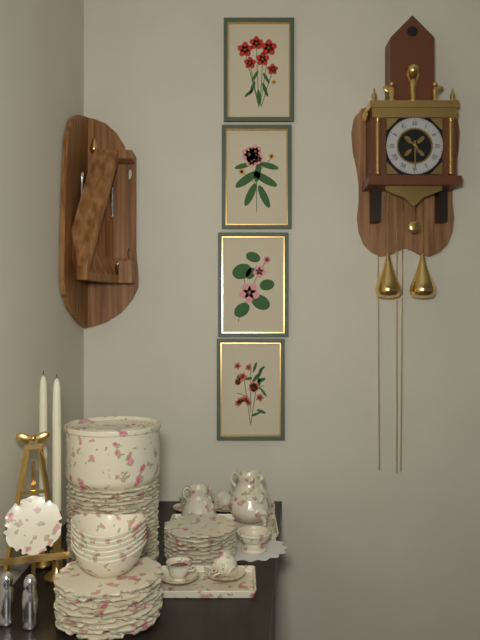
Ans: 10:30
